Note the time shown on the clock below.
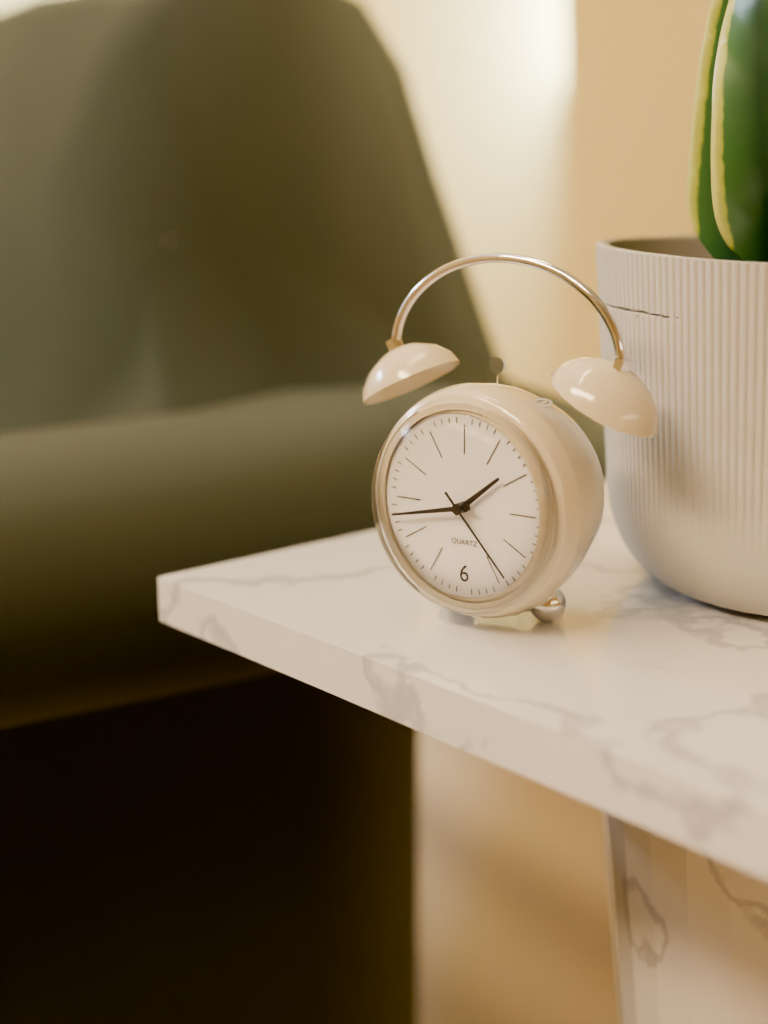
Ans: 1:43:23
